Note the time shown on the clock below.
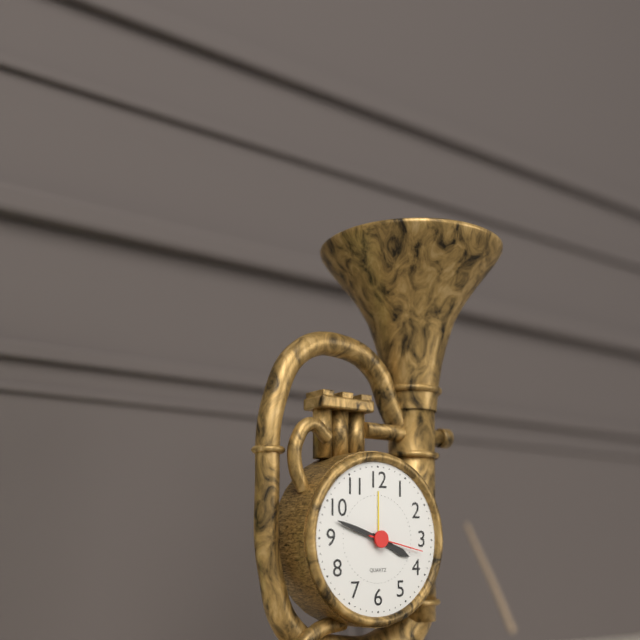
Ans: 3:48:17
